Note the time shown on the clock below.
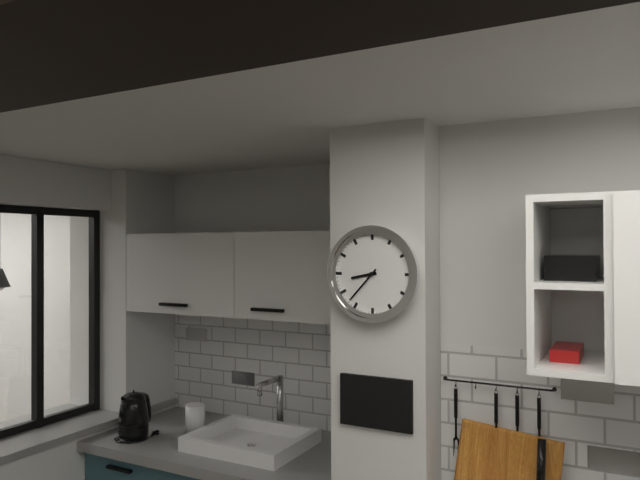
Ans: 8:37
